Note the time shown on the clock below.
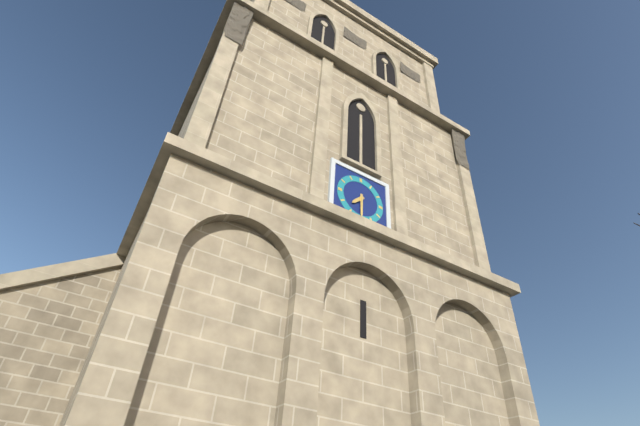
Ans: 7:30
